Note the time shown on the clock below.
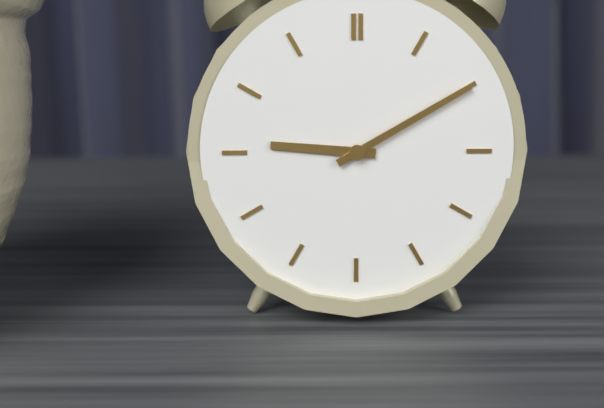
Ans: 9:10
